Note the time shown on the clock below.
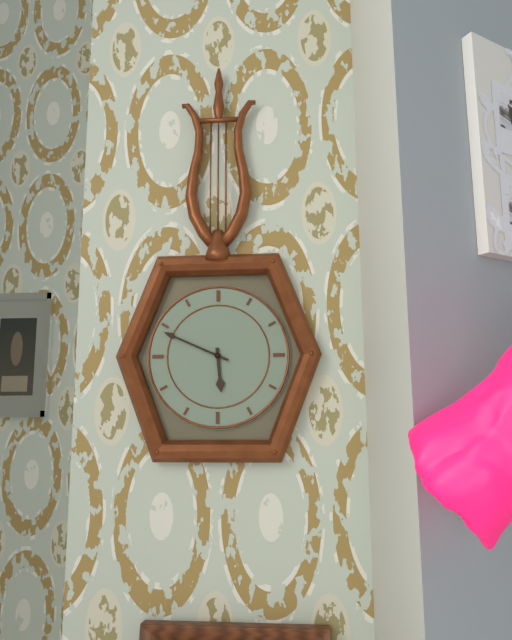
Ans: 5:49
